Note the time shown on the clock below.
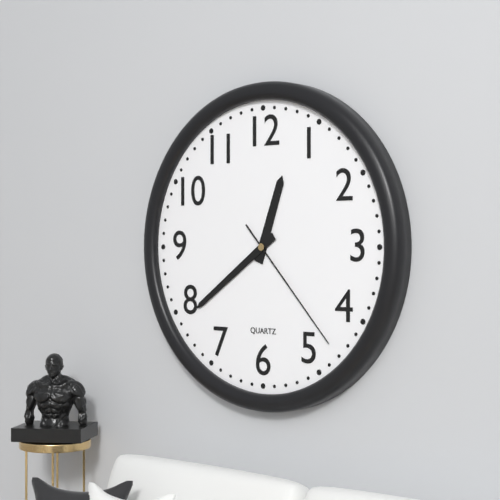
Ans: 12:39:23
